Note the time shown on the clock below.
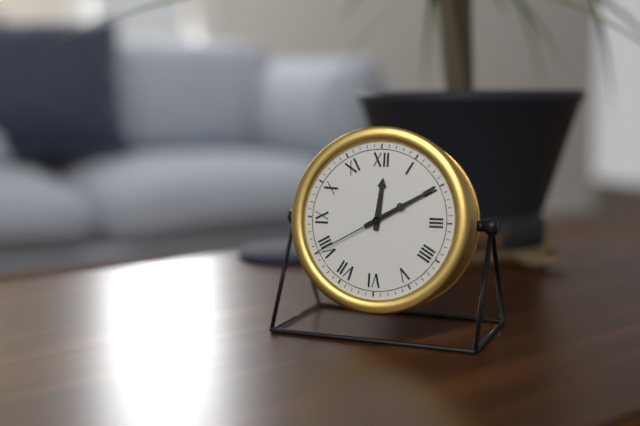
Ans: 12:10:40
